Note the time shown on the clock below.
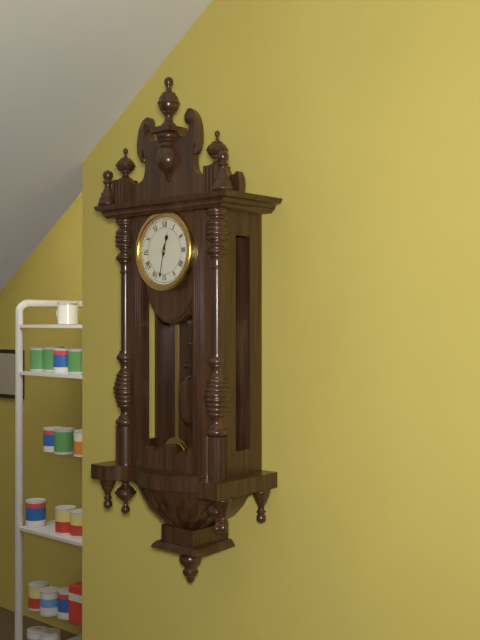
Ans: 12:32
